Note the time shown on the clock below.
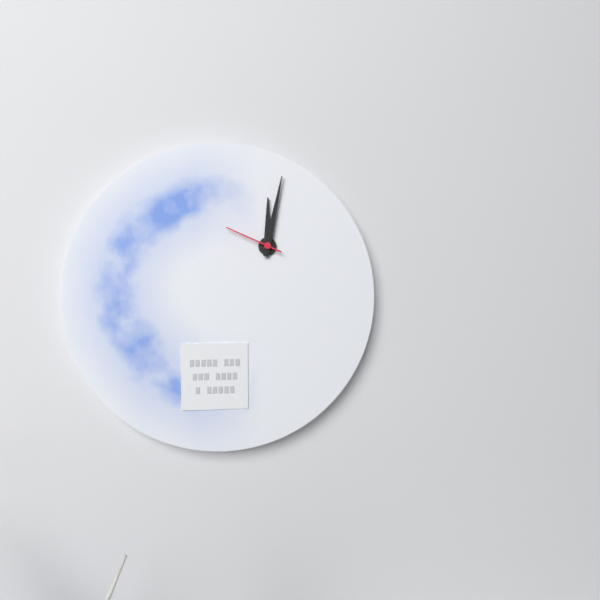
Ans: 12:02:49
